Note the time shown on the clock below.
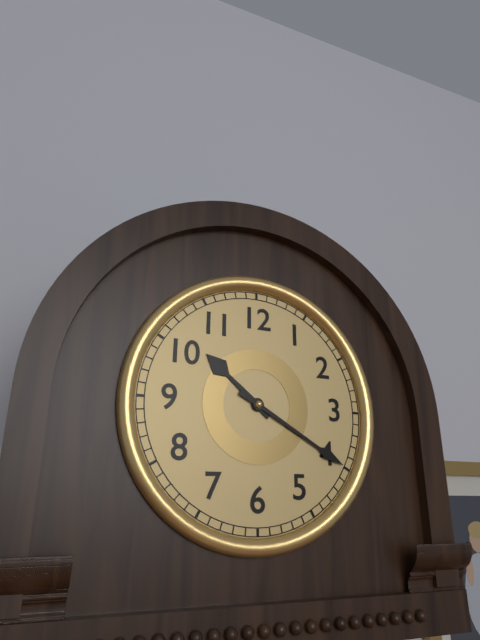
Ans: 10:20
